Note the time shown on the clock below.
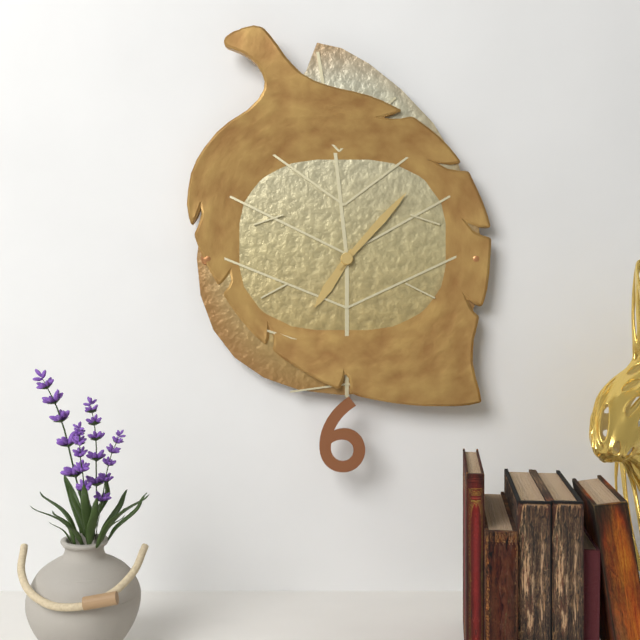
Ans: 7:07
